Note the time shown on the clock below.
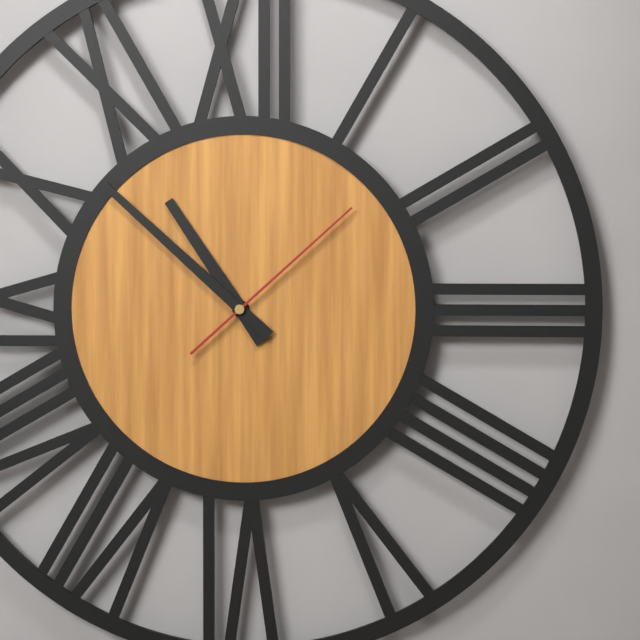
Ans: 10:52:08
